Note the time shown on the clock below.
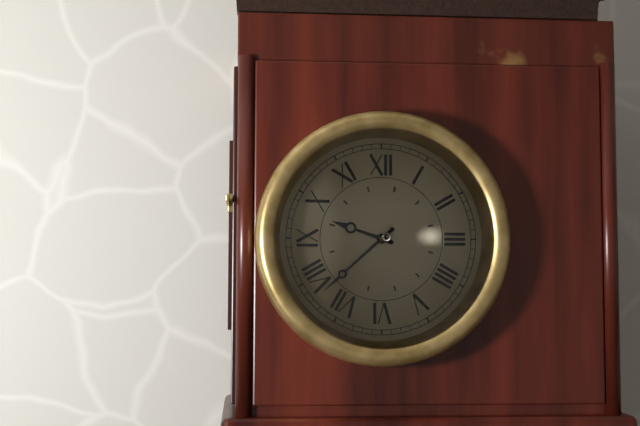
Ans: 9:38
